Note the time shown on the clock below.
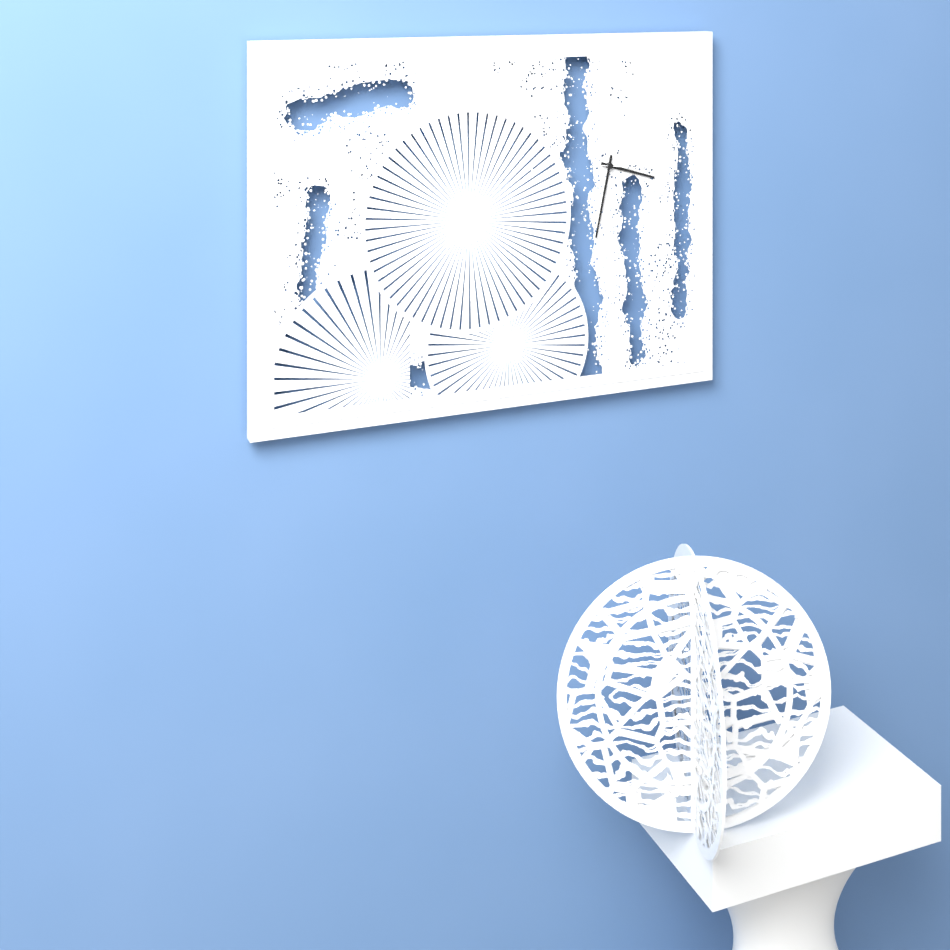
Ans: 3:32:16
